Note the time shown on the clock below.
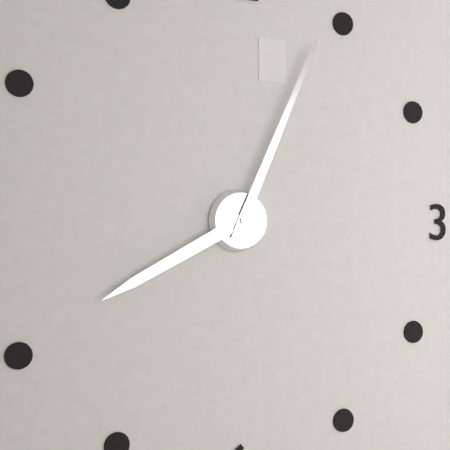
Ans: 8:04
